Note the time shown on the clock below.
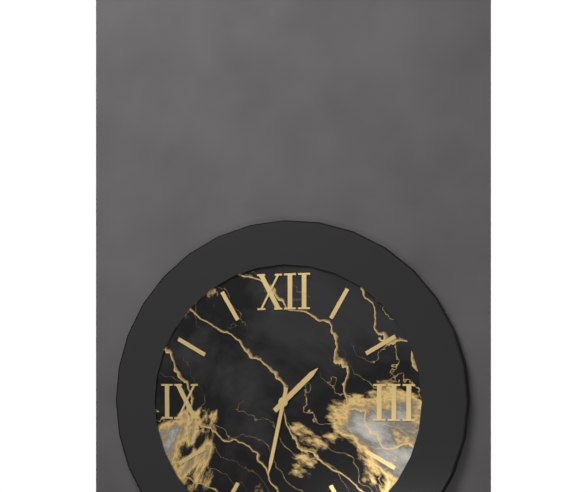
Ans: 1:32
